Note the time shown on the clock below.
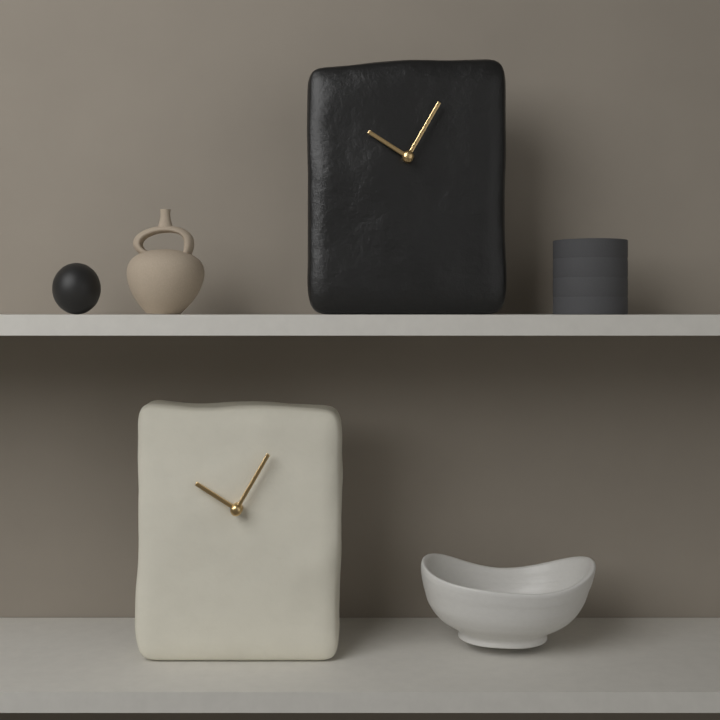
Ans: 10:05
